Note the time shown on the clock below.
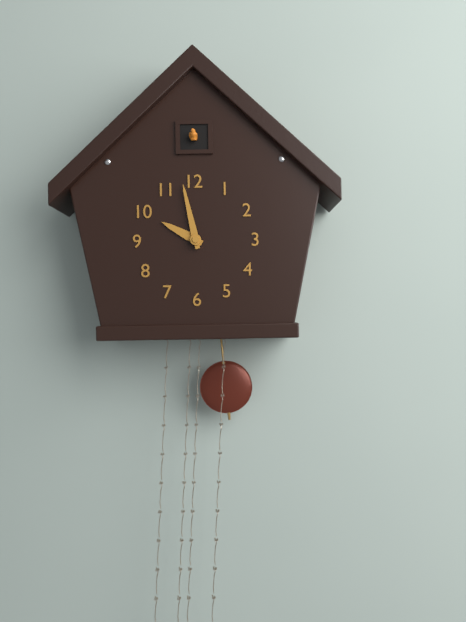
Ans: 9:58
